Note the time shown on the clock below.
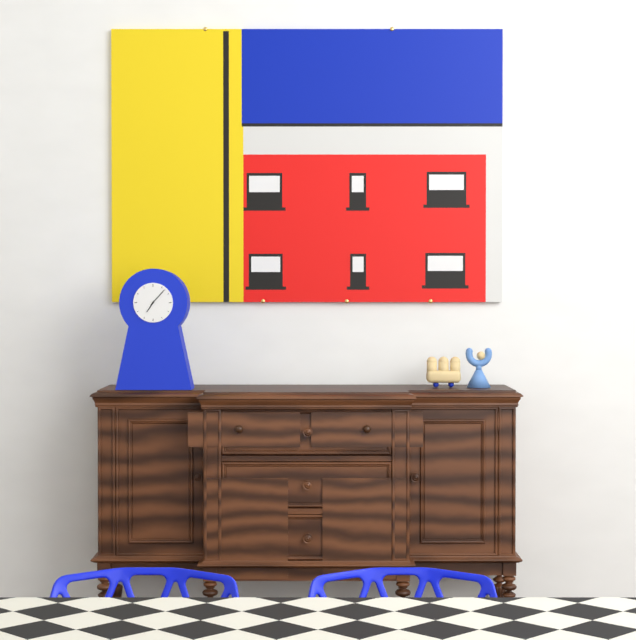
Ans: 7:07
